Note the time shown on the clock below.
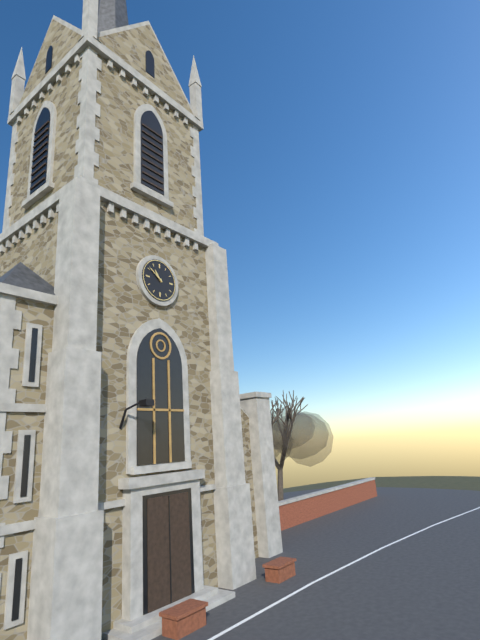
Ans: 10:51
